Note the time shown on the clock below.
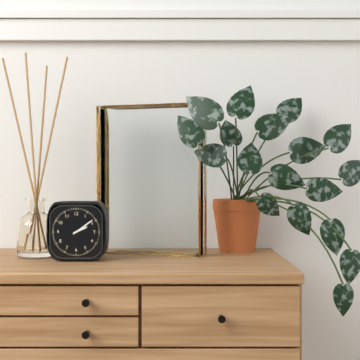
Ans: 2:09
